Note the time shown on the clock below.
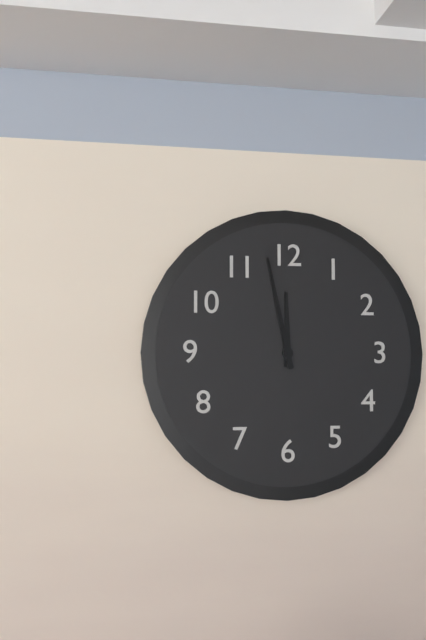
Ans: 11:58
